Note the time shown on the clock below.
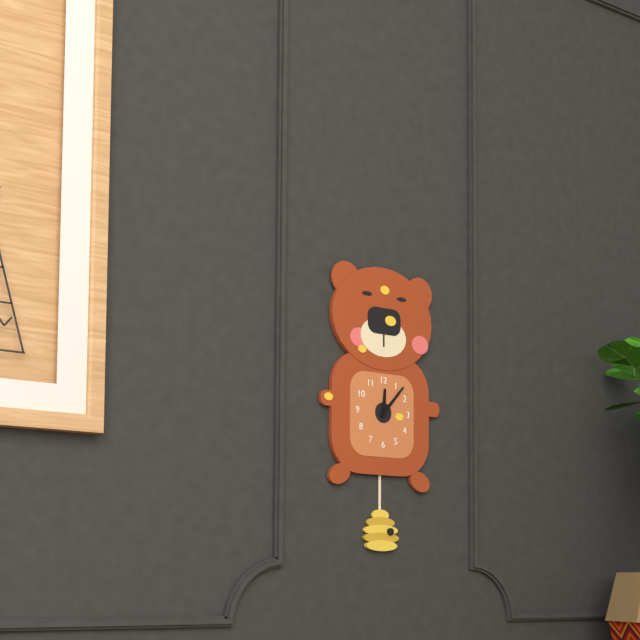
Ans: 12:07
